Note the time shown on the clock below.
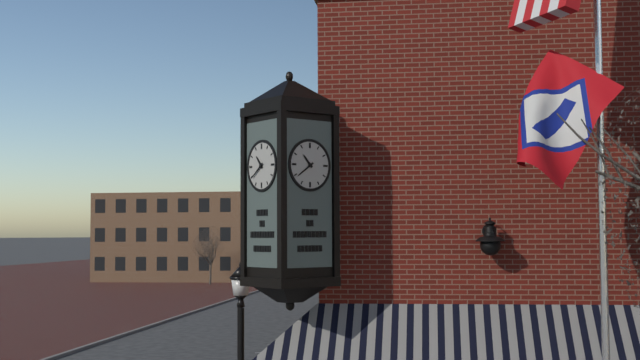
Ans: 10:39
